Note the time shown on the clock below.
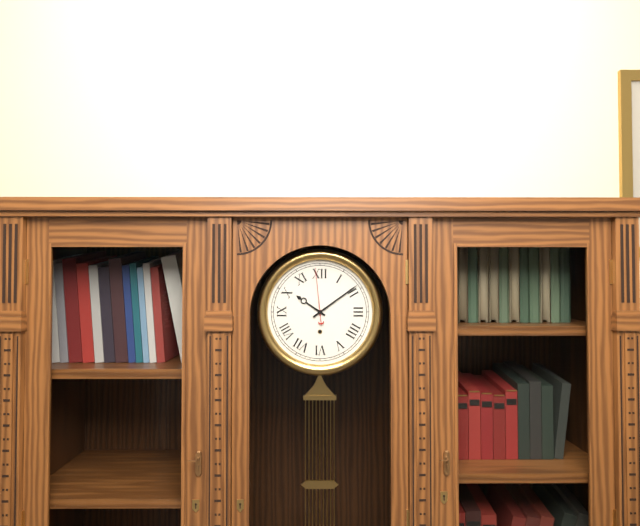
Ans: 10:09:59
